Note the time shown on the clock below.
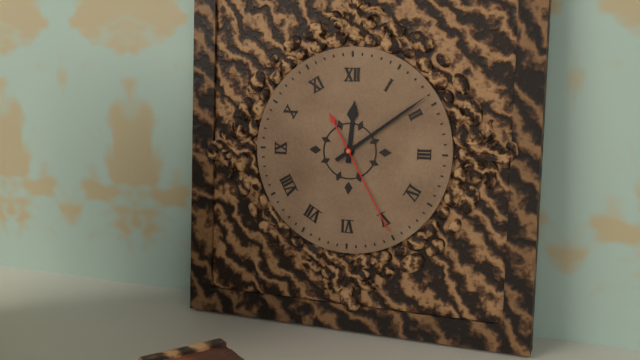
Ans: 12:09:25
